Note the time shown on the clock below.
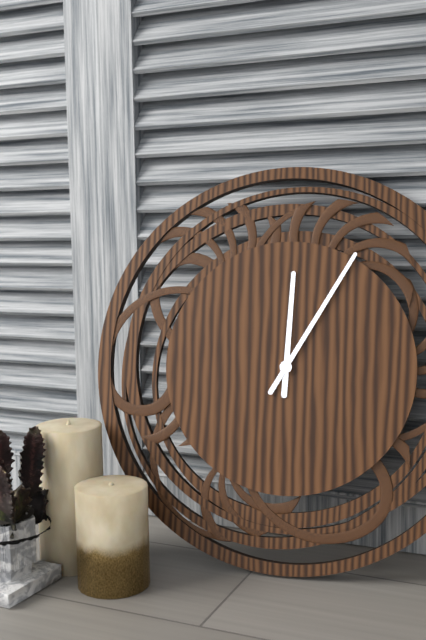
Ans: 12:05
